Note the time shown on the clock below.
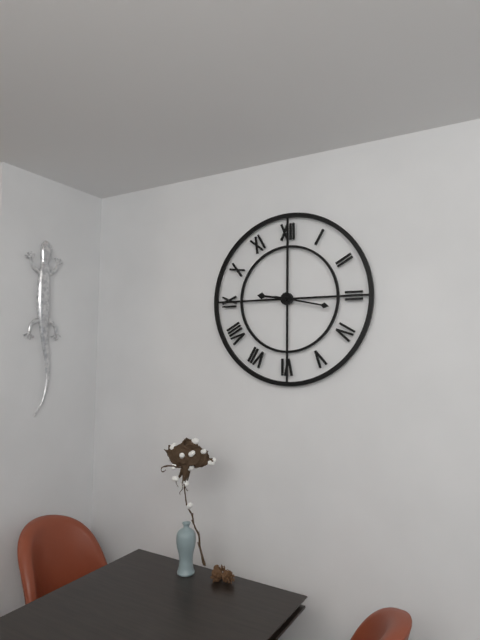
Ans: 9:17
